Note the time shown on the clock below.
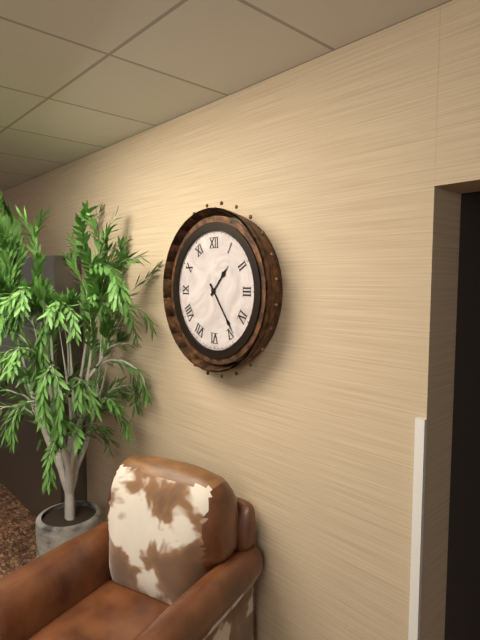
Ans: 1:24
